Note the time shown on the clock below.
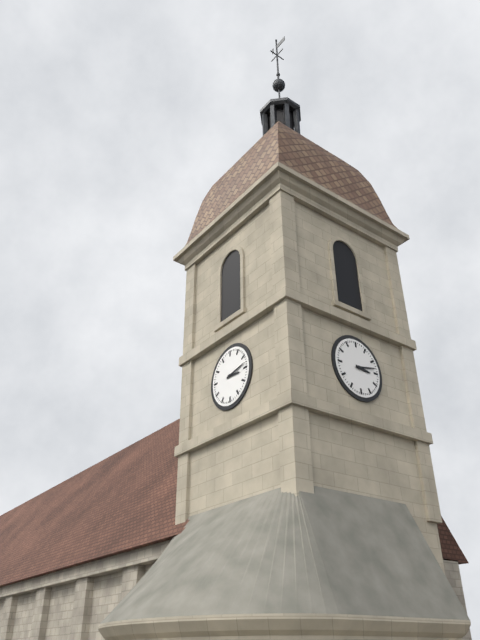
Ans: 3:13
